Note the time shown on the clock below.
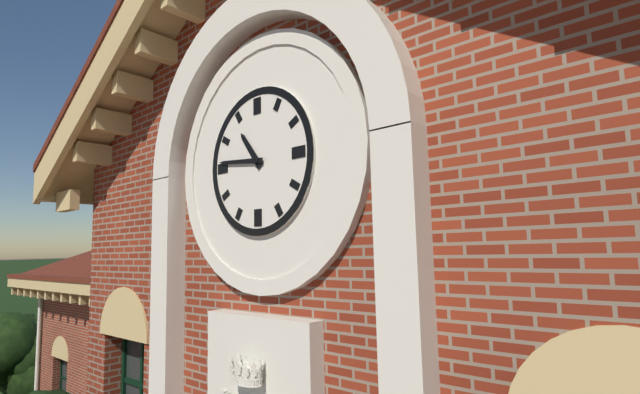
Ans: 10:46
